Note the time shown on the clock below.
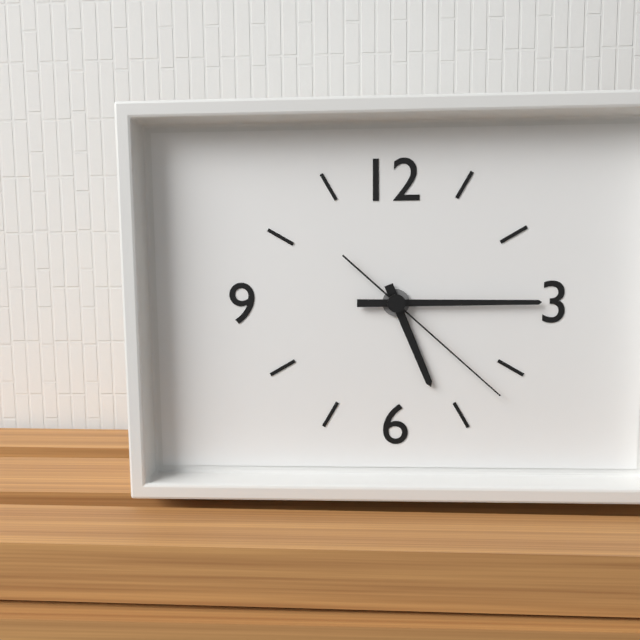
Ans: 5:15:22
